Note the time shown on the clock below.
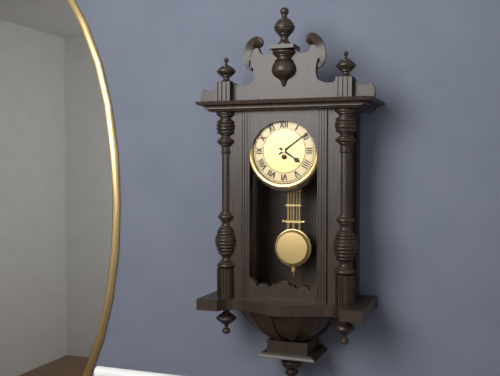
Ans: 4:09
